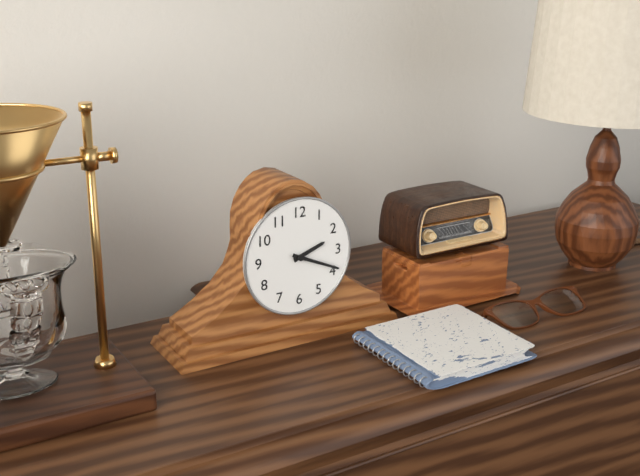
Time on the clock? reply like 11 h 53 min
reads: 2 h 19 min
